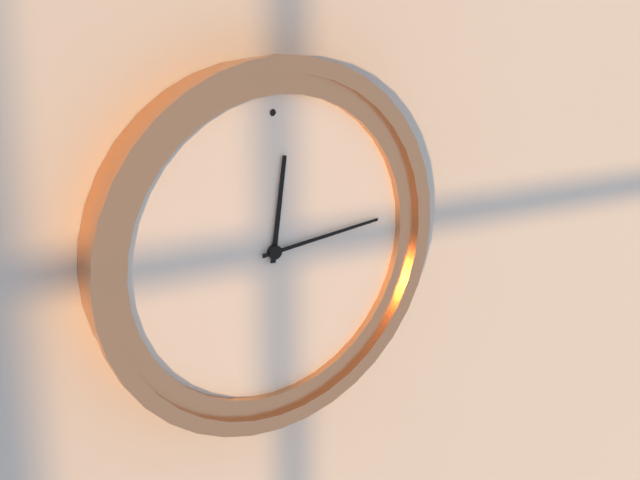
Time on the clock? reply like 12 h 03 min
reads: 12 h 14 min
